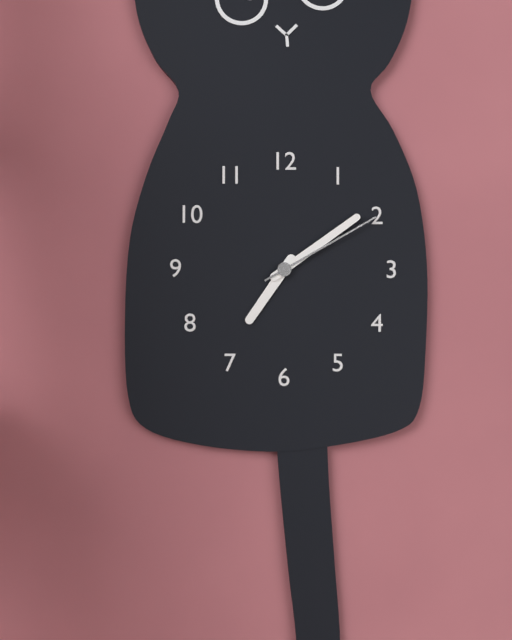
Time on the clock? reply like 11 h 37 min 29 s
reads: 7 h 09 min 10 s
